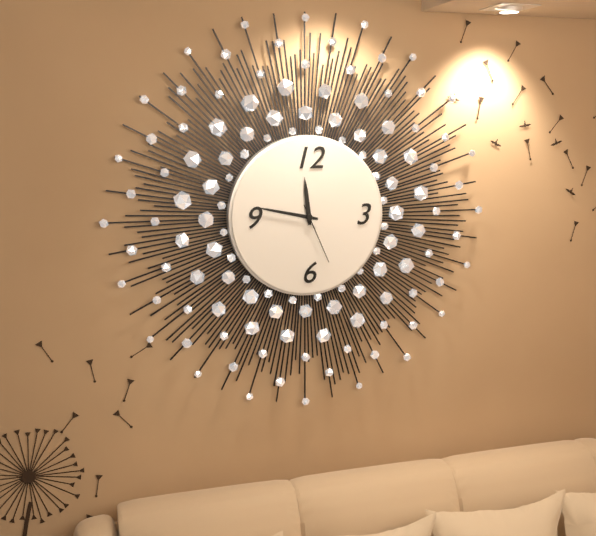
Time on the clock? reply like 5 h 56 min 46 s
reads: 11 h 47 min 26 s
